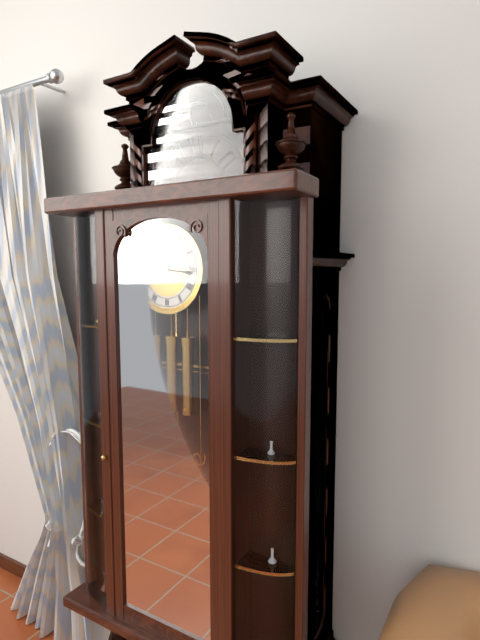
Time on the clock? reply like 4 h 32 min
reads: 9 h 16 min
